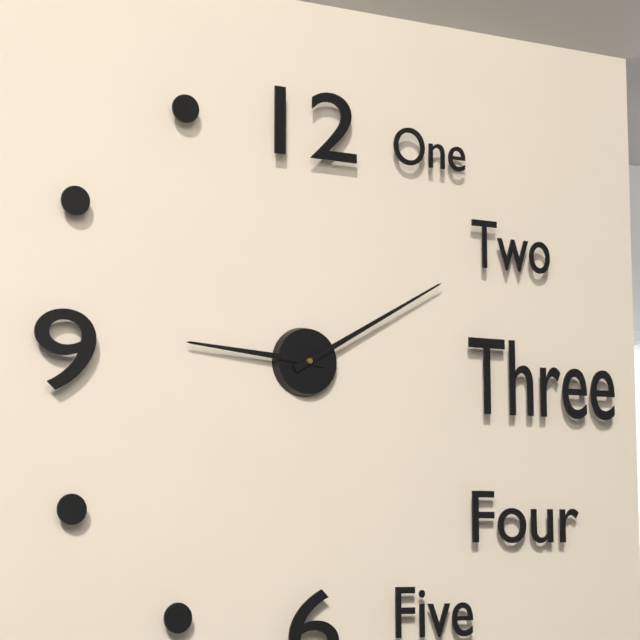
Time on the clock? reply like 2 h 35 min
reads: 9 h 10 min
